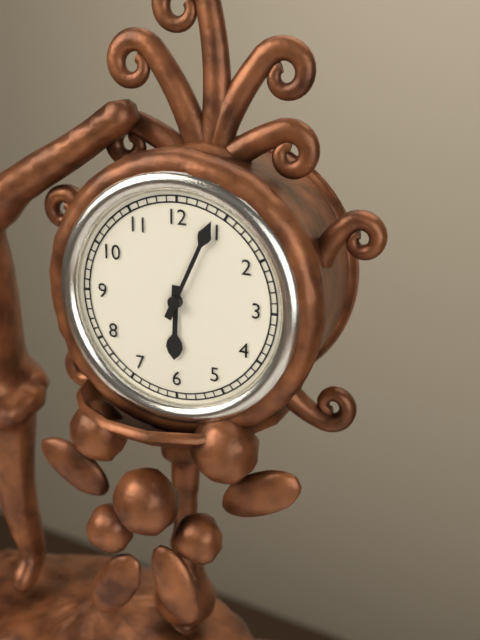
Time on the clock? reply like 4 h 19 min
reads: 6 h 04 min
